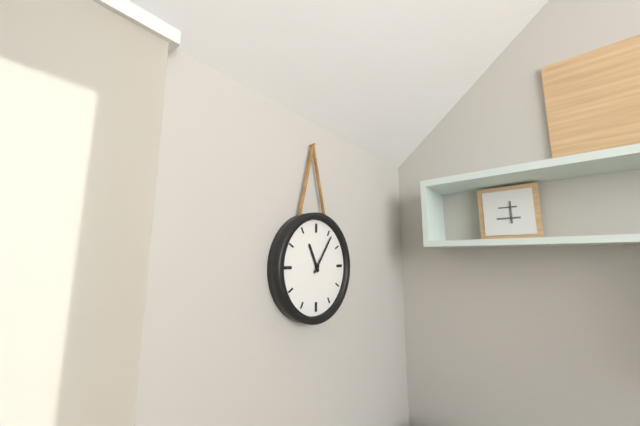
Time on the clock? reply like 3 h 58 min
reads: 11 h 06 min
